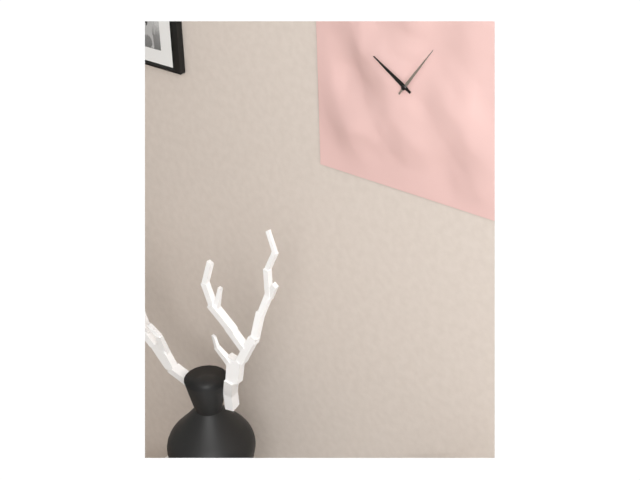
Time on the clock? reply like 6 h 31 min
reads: 10 h 06 min
